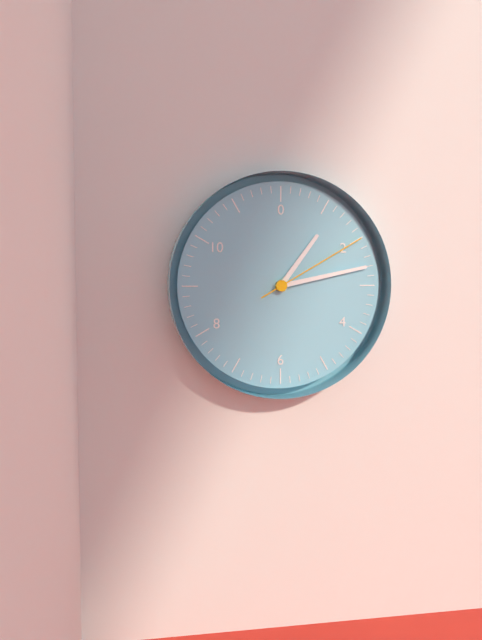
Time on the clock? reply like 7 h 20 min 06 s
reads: 1 h 13 min 10 s
